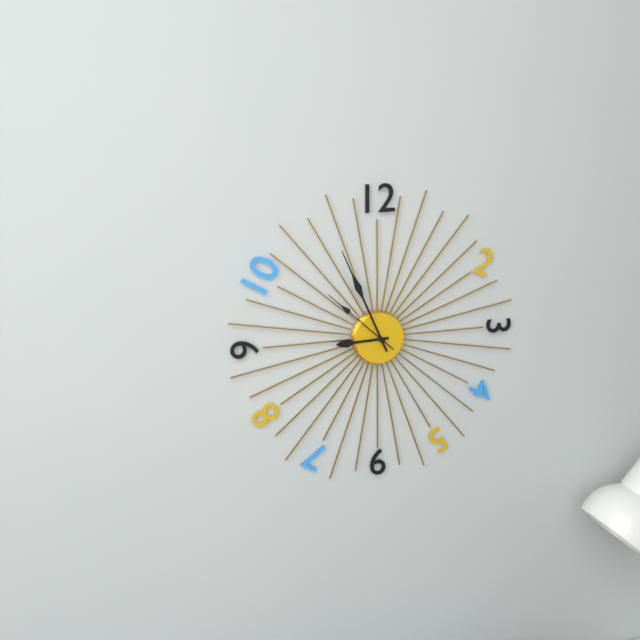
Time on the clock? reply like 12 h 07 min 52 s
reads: 8 h 56 min 52 s
